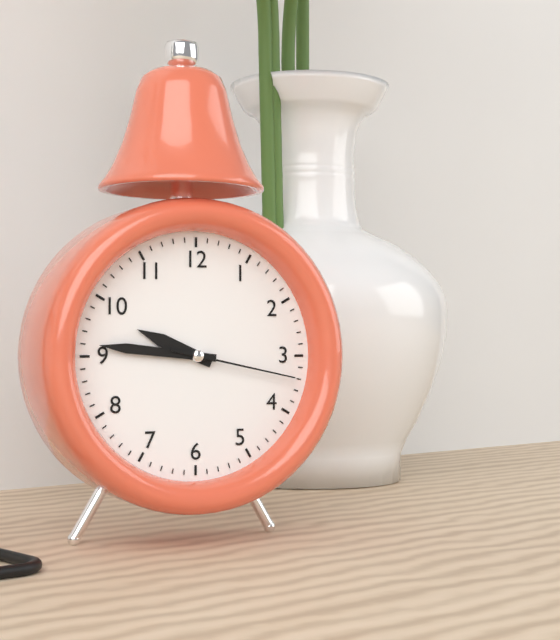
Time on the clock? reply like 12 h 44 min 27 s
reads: 9 h 46 min 17 s
